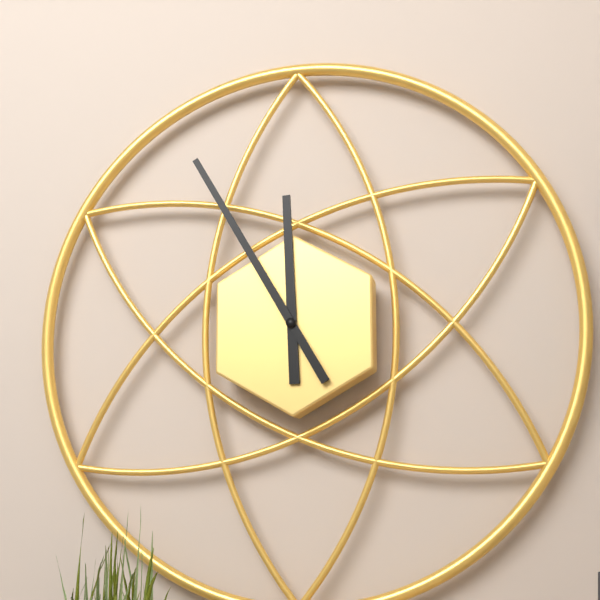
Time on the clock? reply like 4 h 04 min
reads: 11 h 55 min
